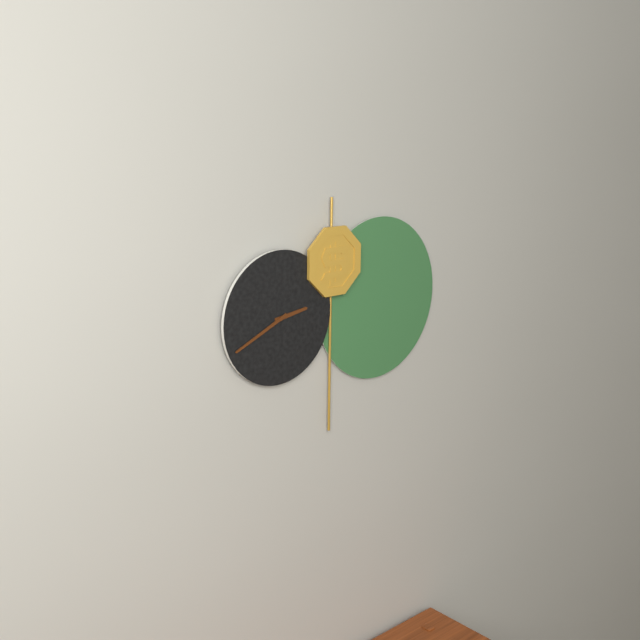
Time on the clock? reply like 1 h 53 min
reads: 2 h 41 min
